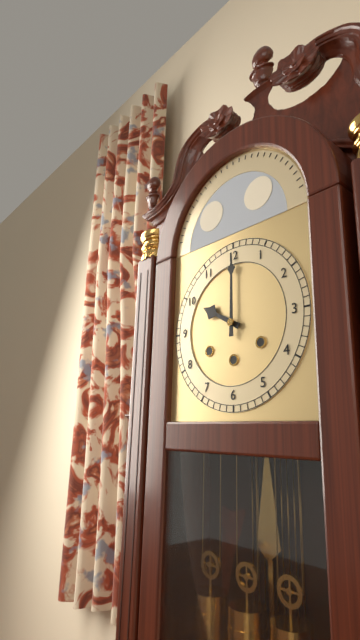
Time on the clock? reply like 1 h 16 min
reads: 10 h 00 min
